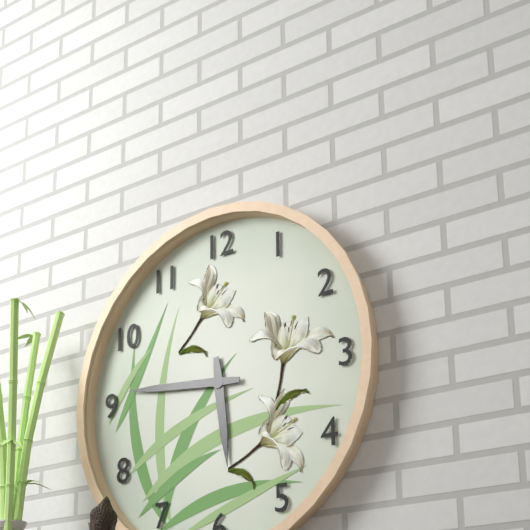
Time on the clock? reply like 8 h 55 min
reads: 5 h 46 min
